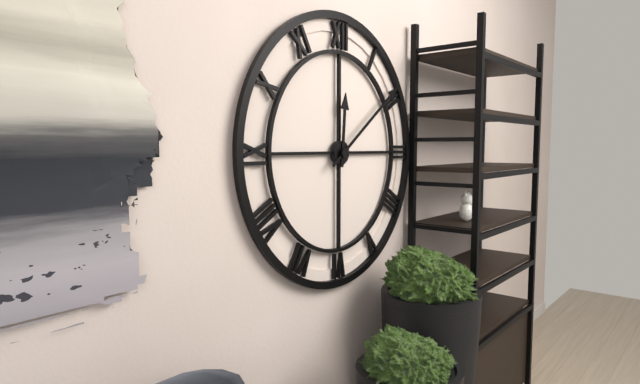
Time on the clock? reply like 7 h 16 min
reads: 12 h 09 min
